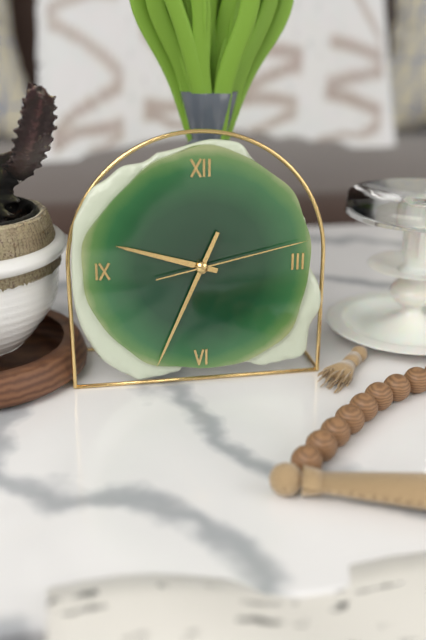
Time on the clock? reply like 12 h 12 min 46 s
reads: 9 h 34 min 13 s
